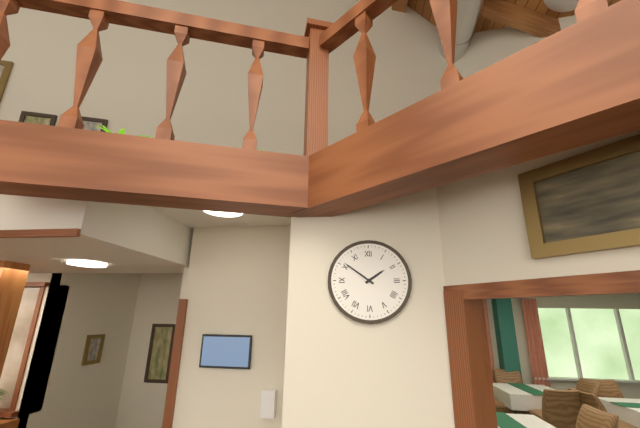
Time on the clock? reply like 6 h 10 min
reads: 1 h 51 min
